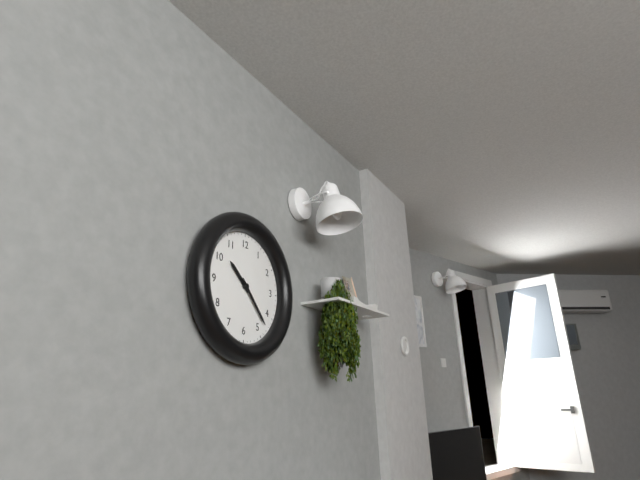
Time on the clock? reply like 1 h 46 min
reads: 10 h 23 min
